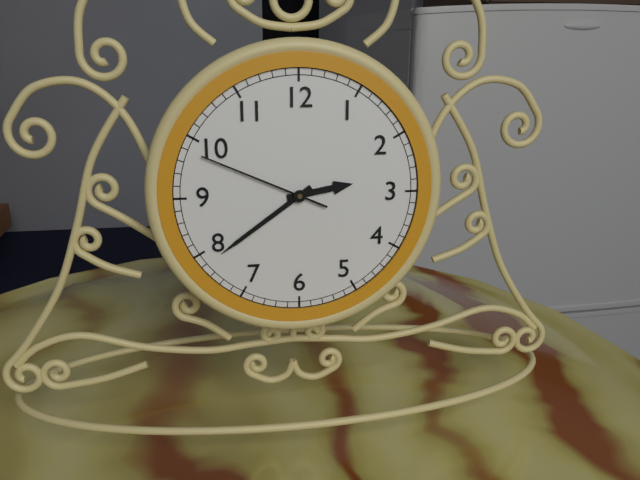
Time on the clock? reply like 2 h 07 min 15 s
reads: 2 h 39 min 49 s
